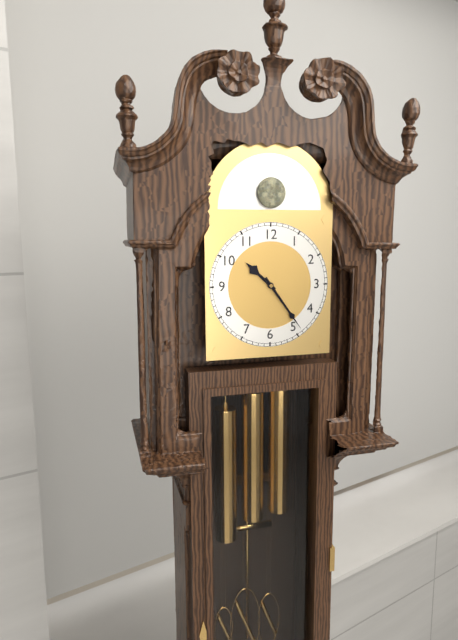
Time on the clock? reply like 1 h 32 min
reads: 10 h 24 min
